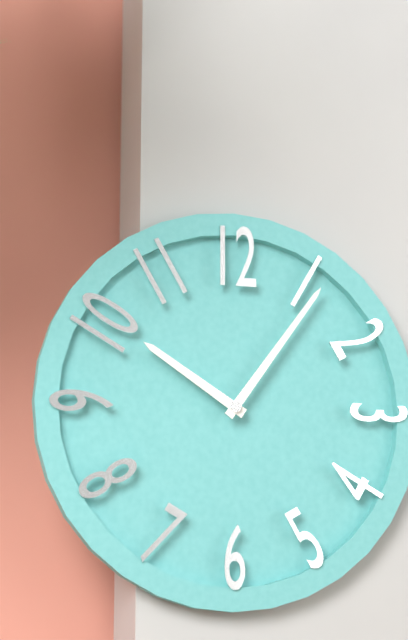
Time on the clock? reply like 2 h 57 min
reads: 10 h 06 min
